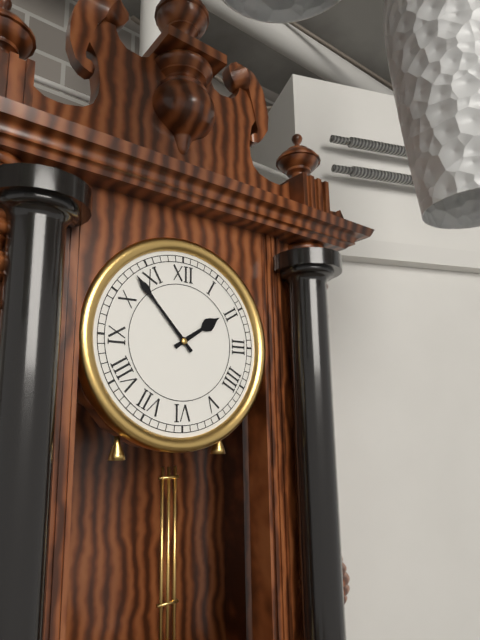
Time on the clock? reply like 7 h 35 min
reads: 1 h 53 min
